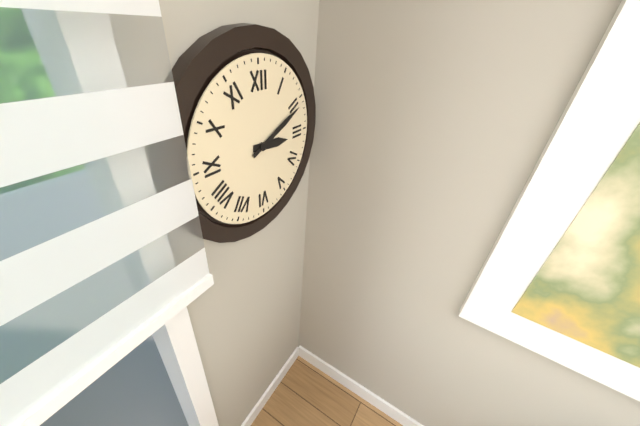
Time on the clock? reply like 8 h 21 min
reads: 3 h 11 min
